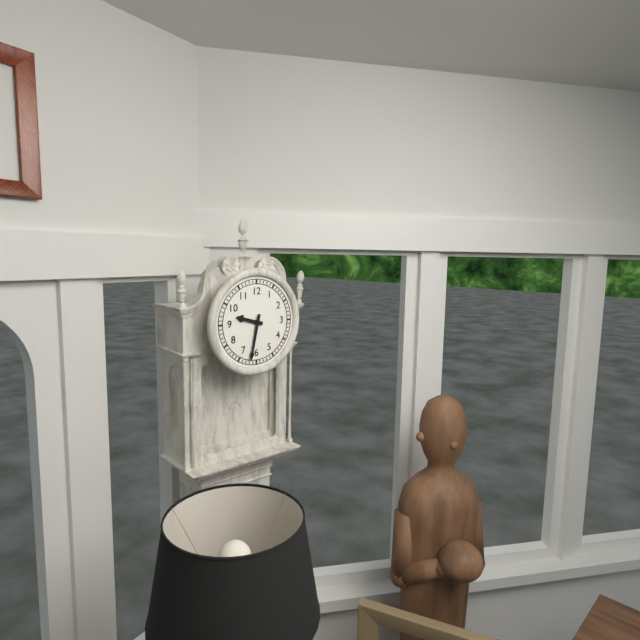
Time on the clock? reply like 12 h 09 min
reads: 9 h 32 min
